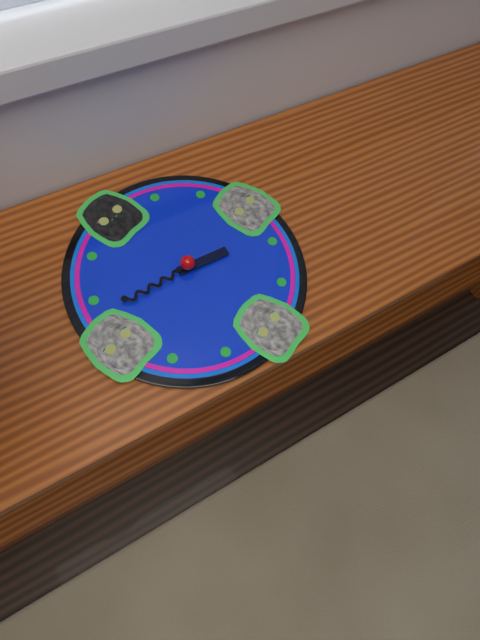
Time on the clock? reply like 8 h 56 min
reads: 3 h 48 min
